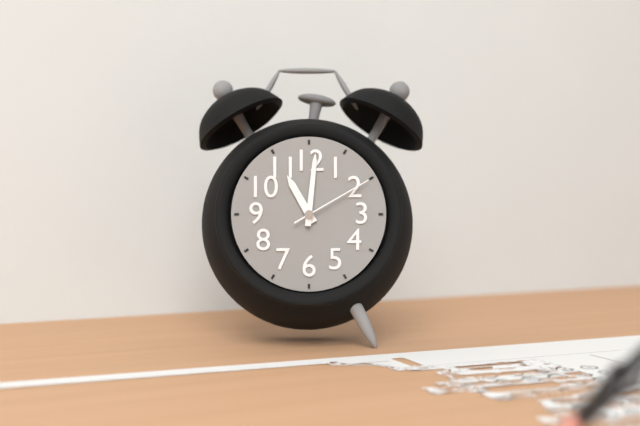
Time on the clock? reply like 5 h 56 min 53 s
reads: 11 h 01 min 10 s
